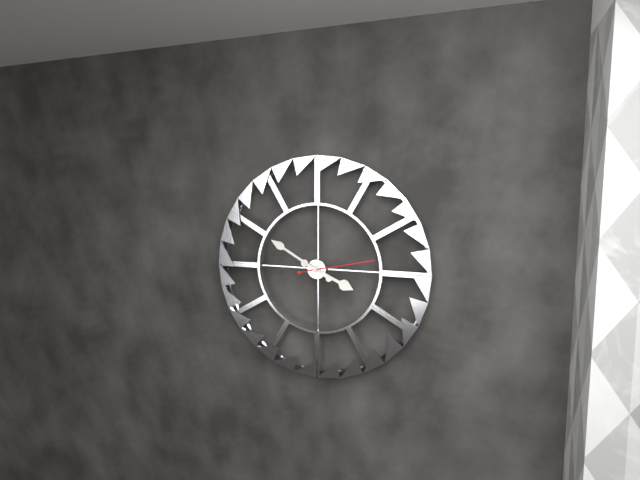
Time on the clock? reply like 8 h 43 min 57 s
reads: 3 h 50 min 13 s
